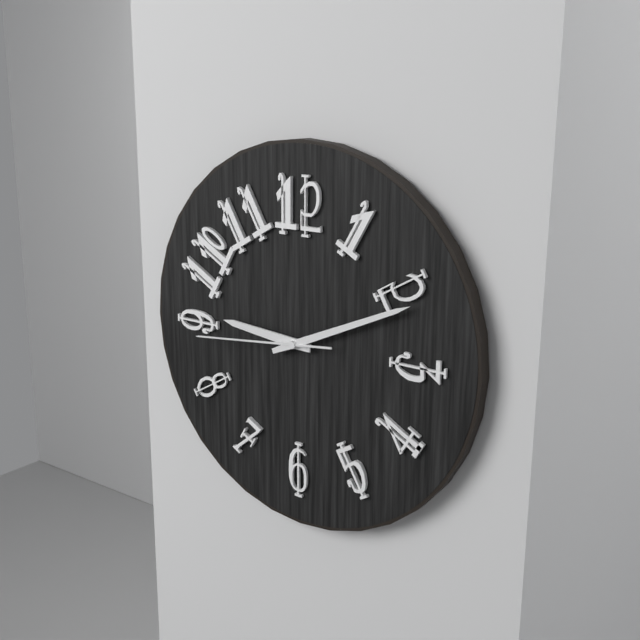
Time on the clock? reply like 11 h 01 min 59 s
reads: 9 h 11 min 44 s
